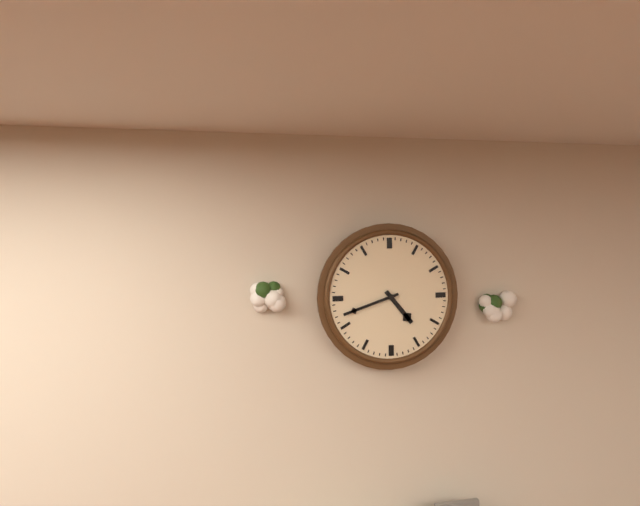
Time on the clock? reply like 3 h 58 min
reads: 4 h 42 min
